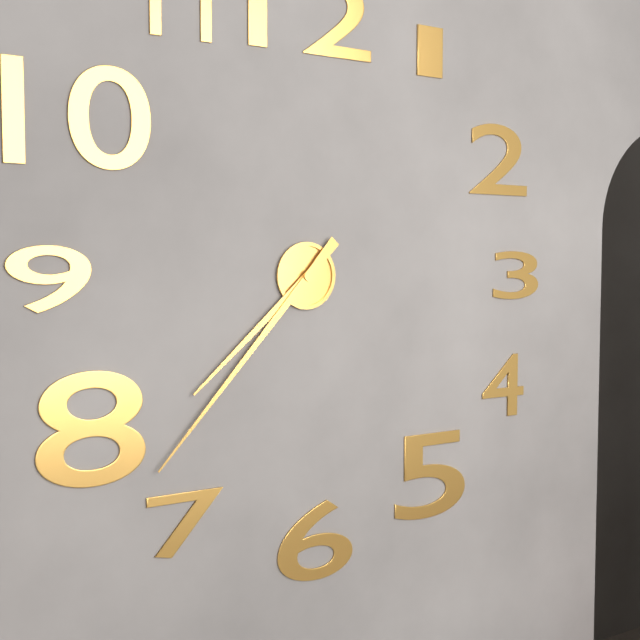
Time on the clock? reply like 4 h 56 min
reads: 7 h 37 min
